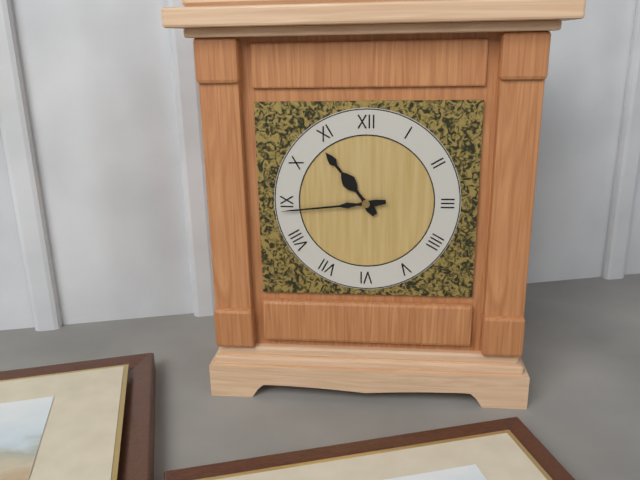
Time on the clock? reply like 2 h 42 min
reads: 10 h 44 min
